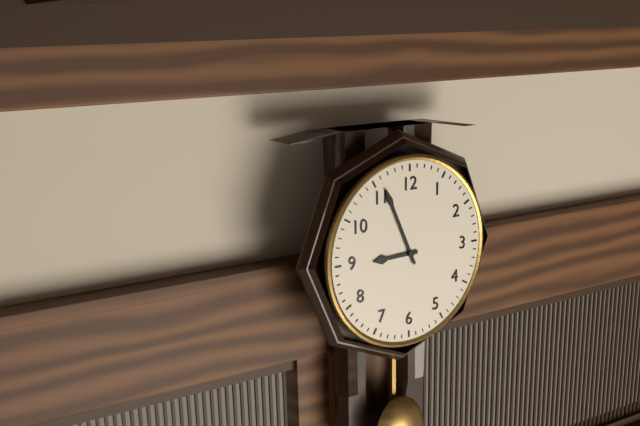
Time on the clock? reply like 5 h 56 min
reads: 8 h 56 min
